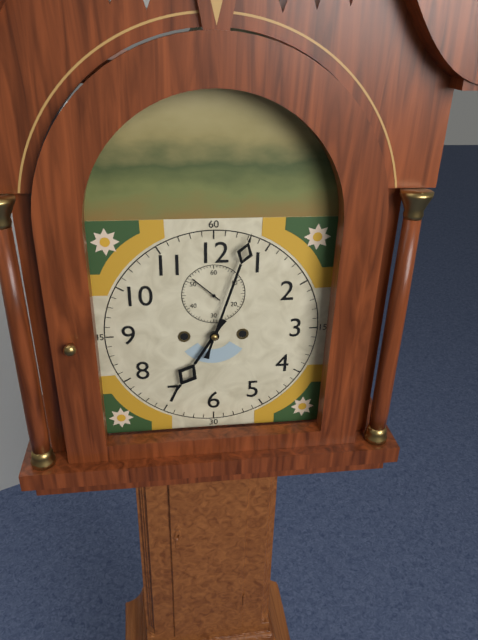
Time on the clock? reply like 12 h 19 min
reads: 7 h 03 min
